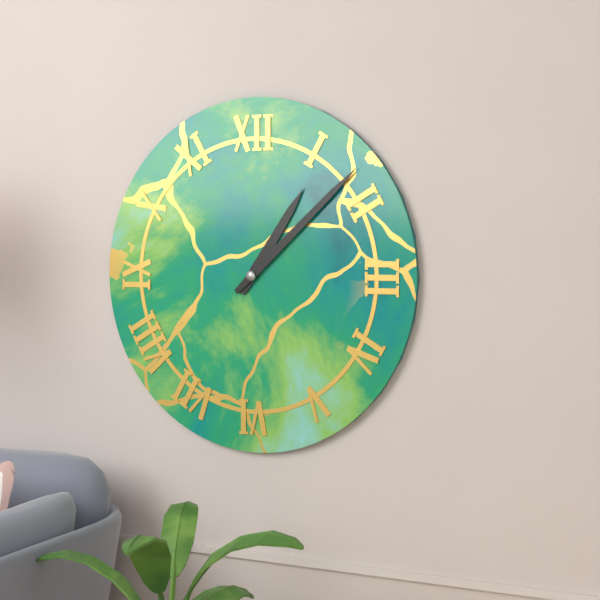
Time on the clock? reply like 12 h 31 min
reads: 1 h 08 min
